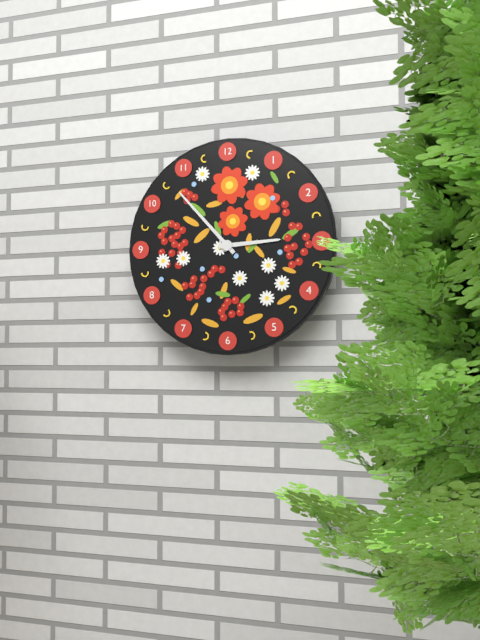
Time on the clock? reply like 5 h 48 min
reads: 2 h 53 min
